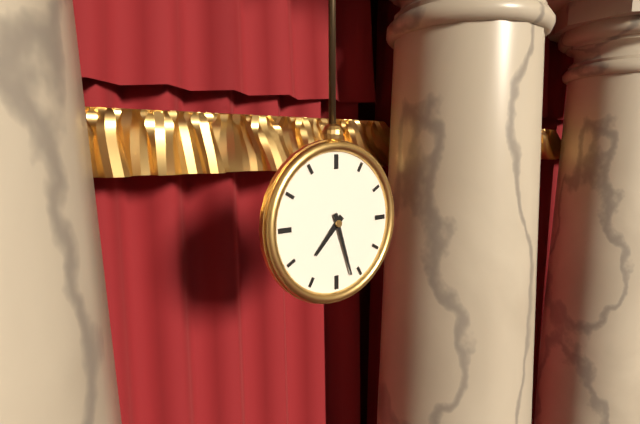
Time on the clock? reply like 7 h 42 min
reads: 7 h 27 min
